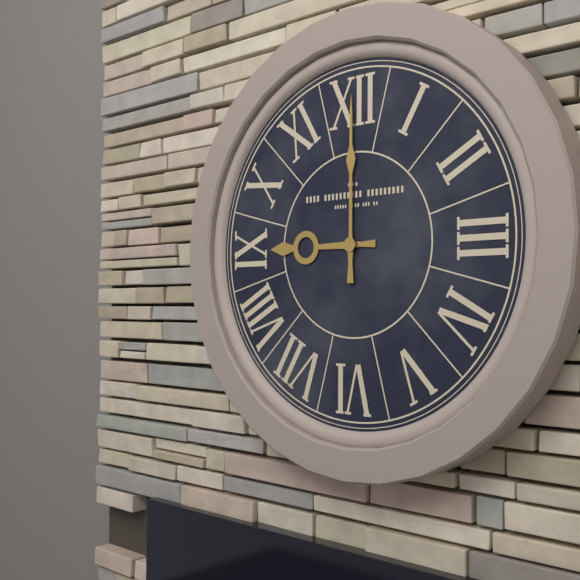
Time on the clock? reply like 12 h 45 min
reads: 9 h 00 min
